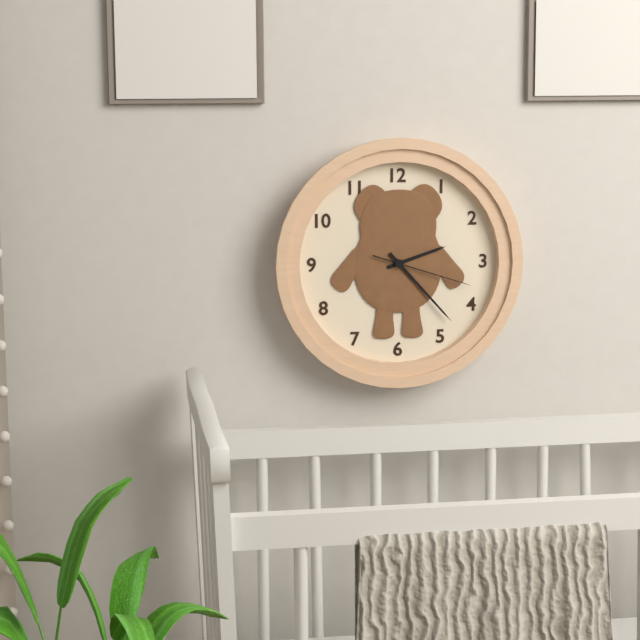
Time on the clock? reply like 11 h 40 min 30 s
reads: 2 h 23 min 18 s
